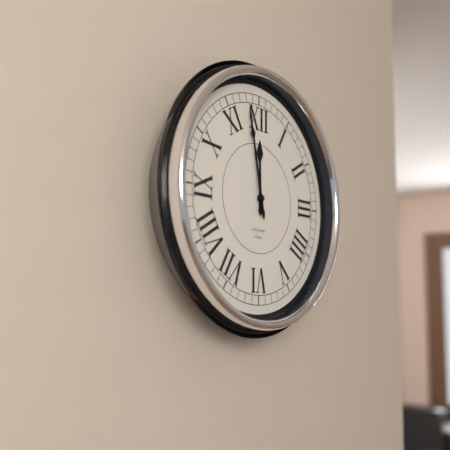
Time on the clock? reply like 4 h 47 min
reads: 11 h 58 min
